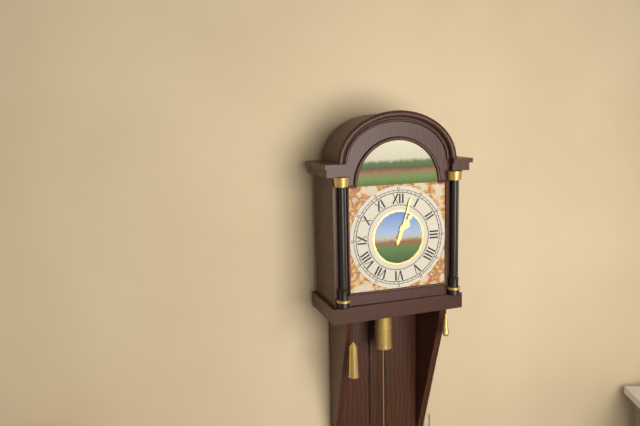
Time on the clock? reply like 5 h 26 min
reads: 1 h 03 min
